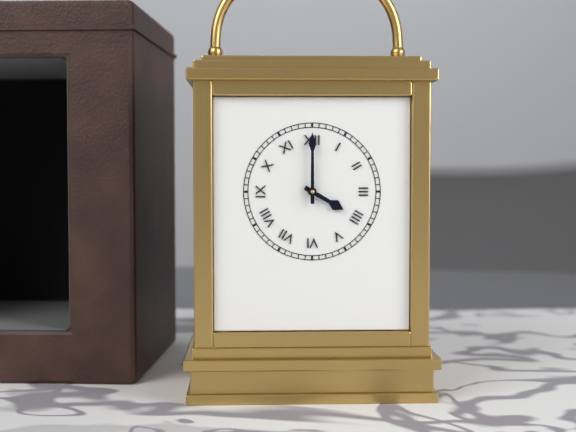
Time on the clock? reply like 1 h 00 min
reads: 4 h 00 min
